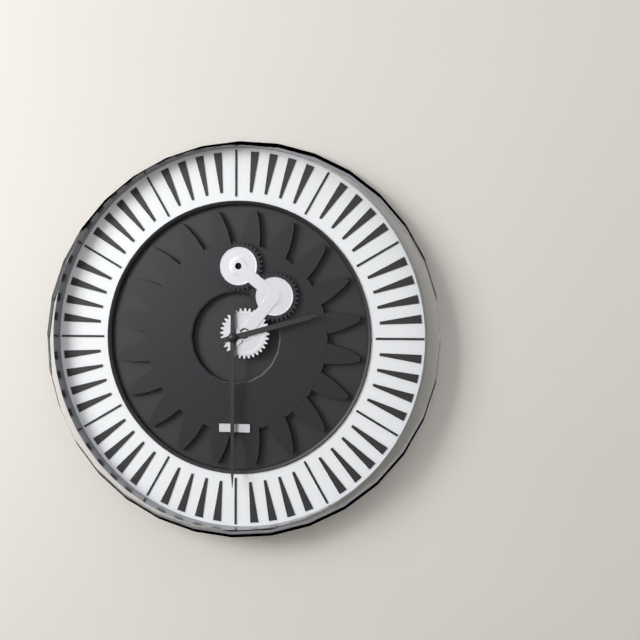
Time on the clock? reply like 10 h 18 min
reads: 2 h 30 min
